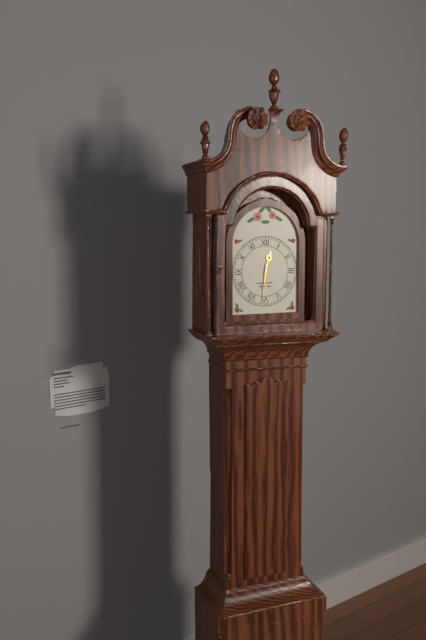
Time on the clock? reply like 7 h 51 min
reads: 12 h 31 min
